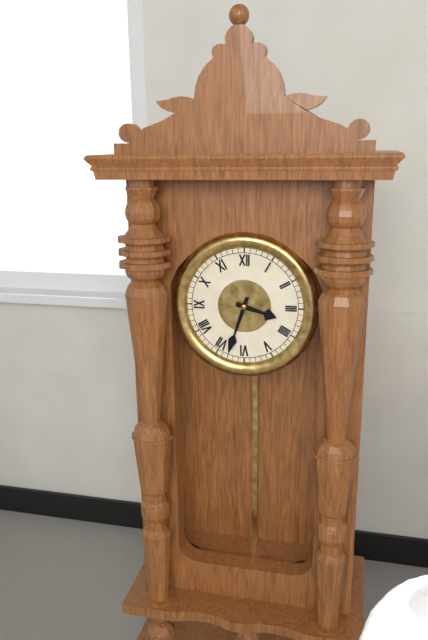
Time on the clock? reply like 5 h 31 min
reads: 3 h 33 min
